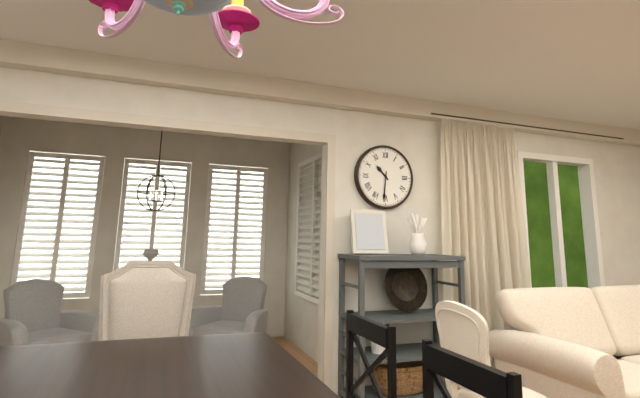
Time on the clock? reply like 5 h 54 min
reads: 10 h 31 min
